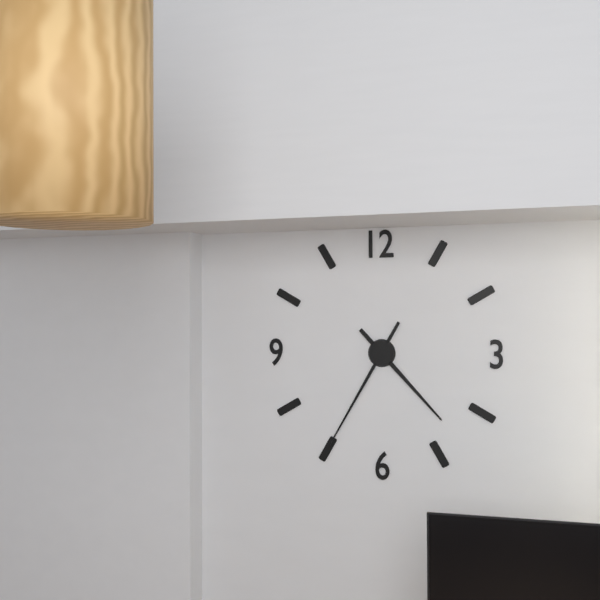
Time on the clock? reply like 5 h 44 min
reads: 4 h 35 min
